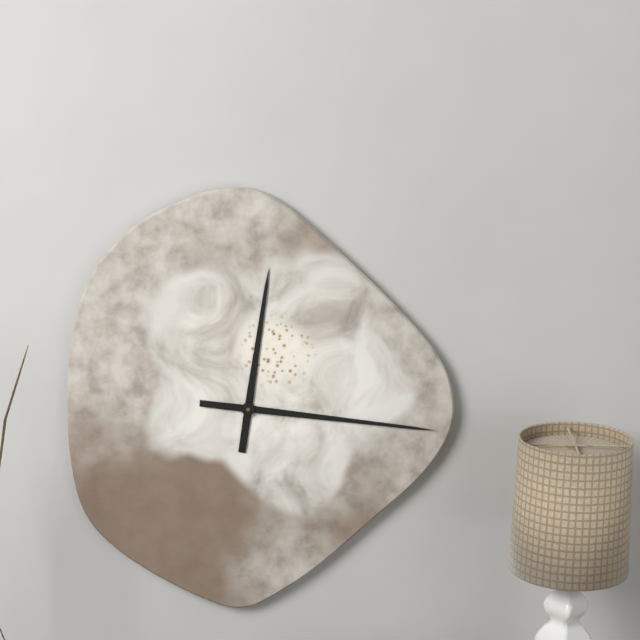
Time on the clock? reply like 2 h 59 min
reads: 12 h 16 min
